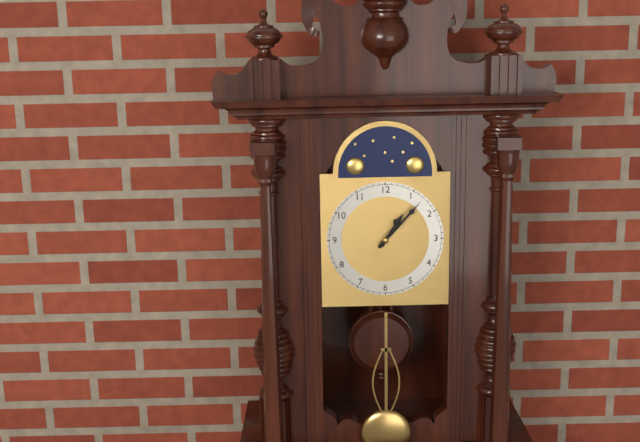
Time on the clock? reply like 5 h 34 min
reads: 1 h 07 min
